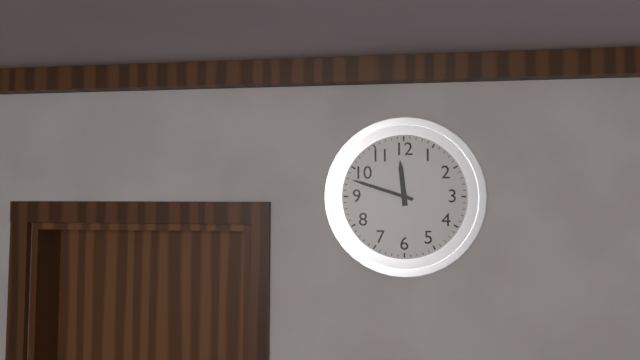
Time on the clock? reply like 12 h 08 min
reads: 11 h 48 min
